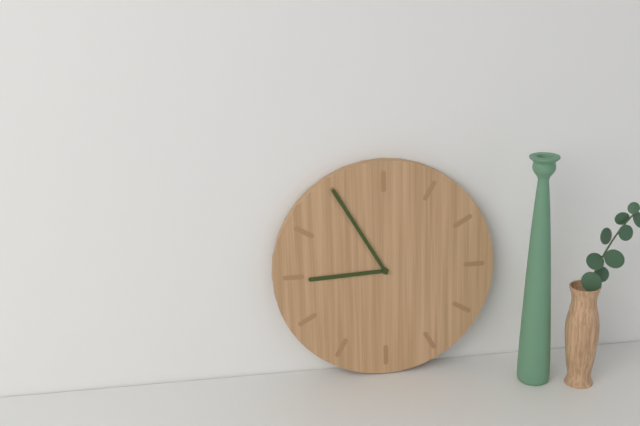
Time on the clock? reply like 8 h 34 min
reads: 8 h 55 min
